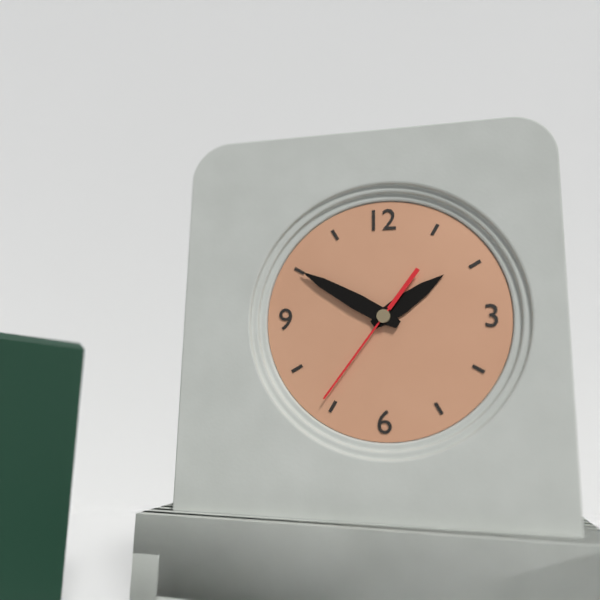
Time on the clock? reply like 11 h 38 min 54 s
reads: 1 h 50 min 36 s
